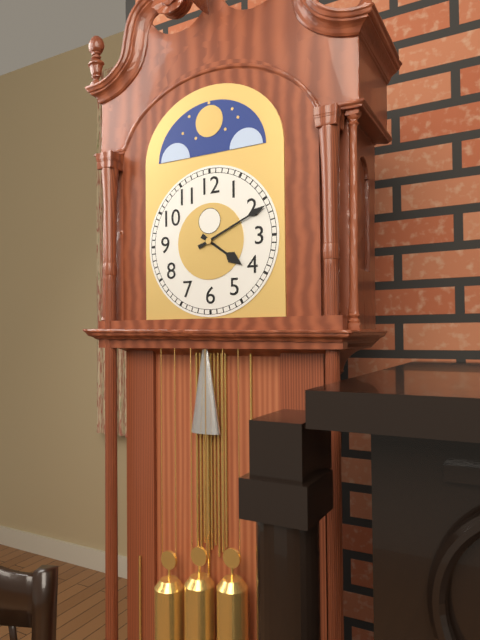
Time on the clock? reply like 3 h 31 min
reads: 4 h 11 min
